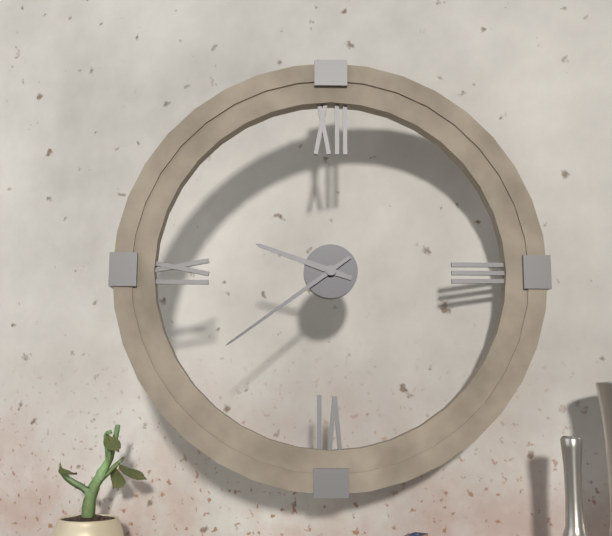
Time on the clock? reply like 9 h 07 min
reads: 9 h 39 min
